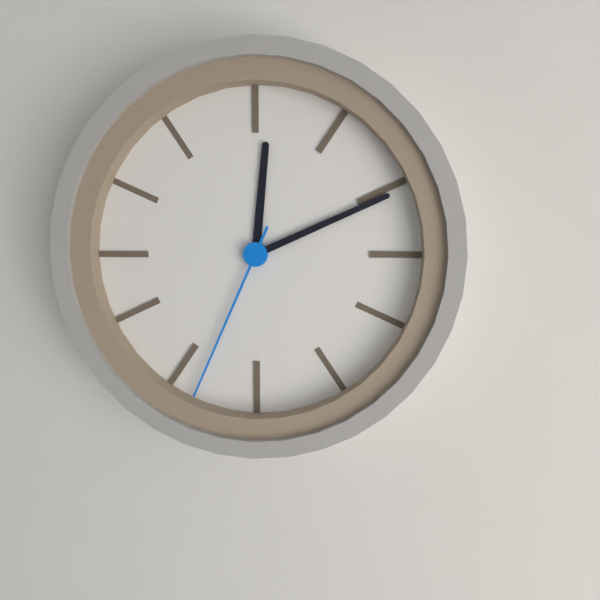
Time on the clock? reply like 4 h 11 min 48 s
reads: 12 h 11 min 34 s
